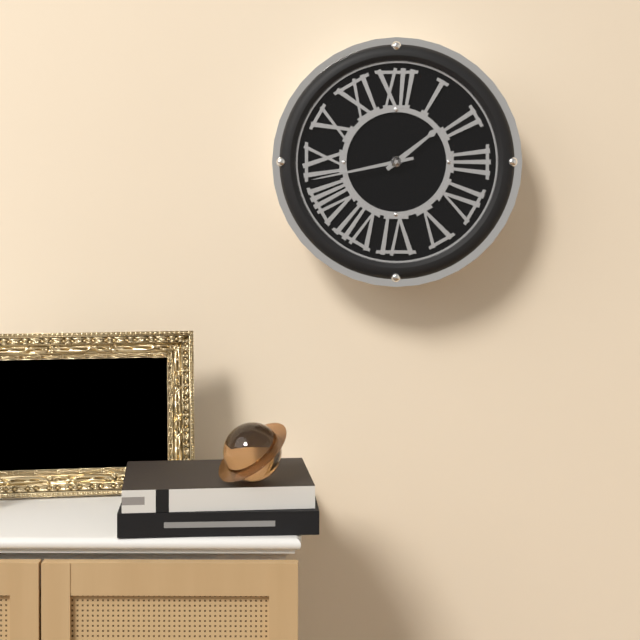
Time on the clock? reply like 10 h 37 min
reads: 1 h 43 min
